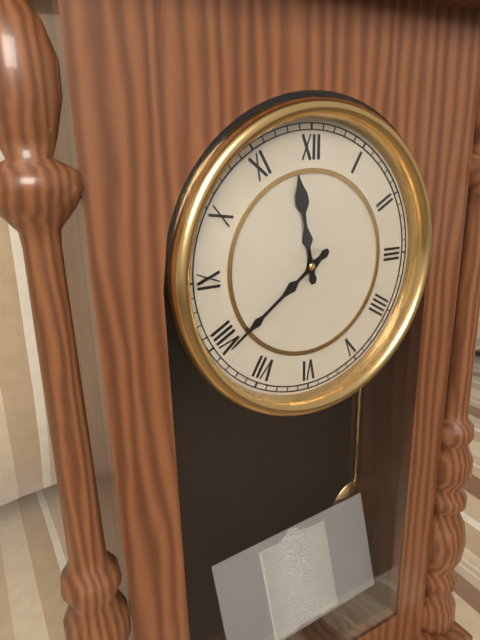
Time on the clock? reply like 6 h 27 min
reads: 11 h 39 min
